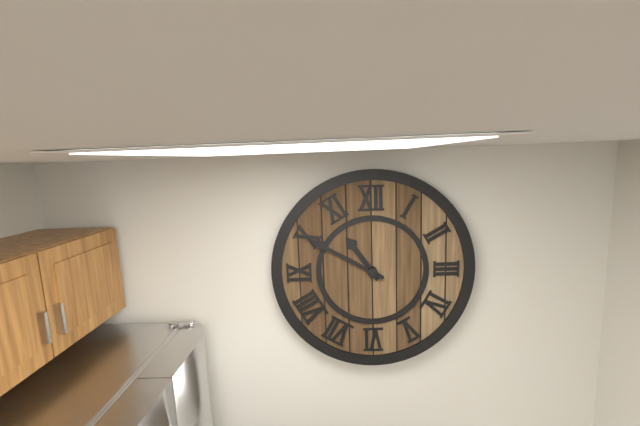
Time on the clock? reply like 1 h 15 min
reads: 10 h 50 min
